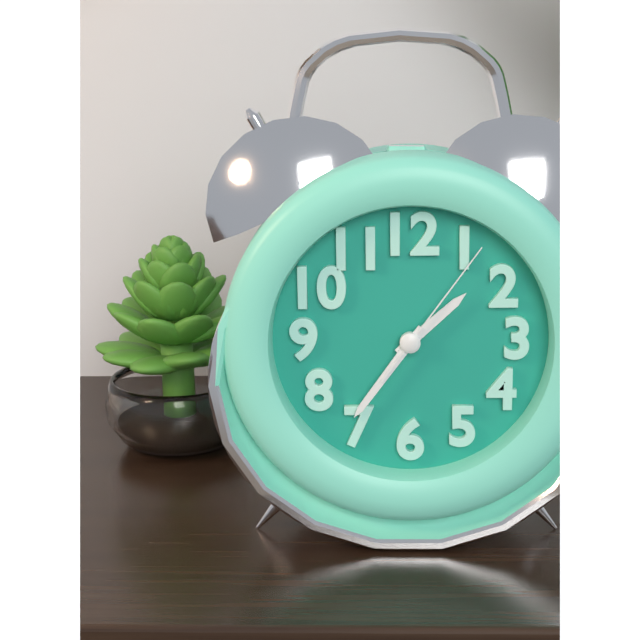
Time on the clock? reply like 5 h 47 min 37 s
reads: 1 h 36 min 06 s
